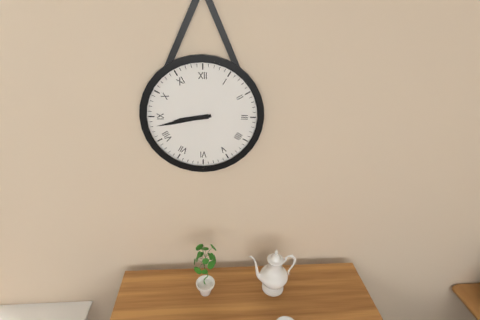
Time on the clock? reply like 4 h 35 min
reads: 8 h 43 min
